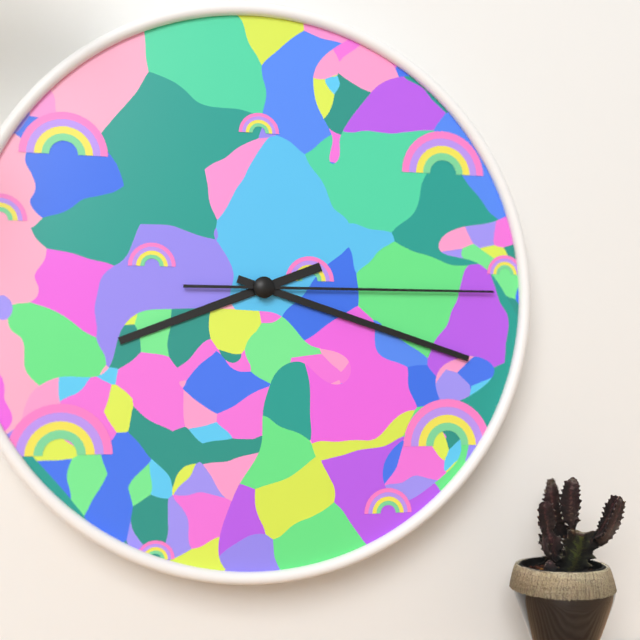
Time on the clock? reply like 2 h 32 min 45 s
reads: 8 h 18 min 15 s
